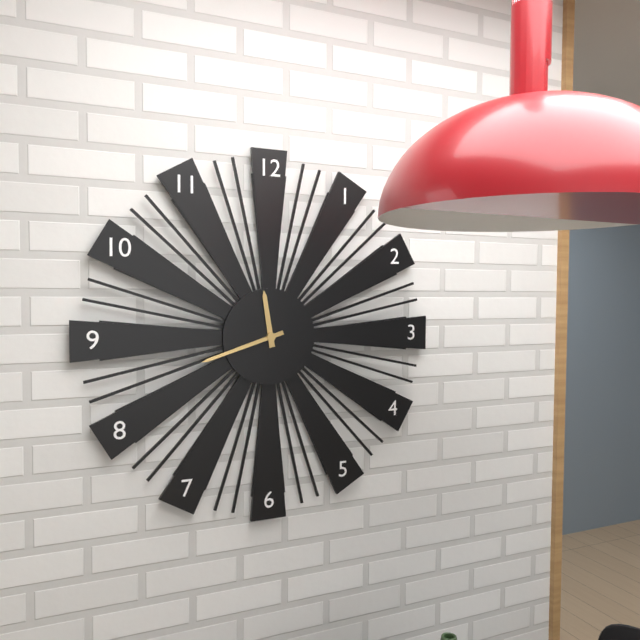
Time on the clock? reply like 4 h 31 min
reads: 11 h 42 min
